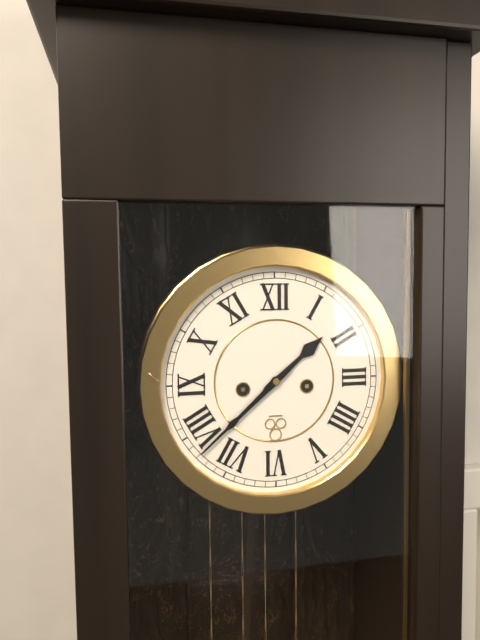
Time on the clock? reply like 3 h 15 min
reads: 1 h 38 min
